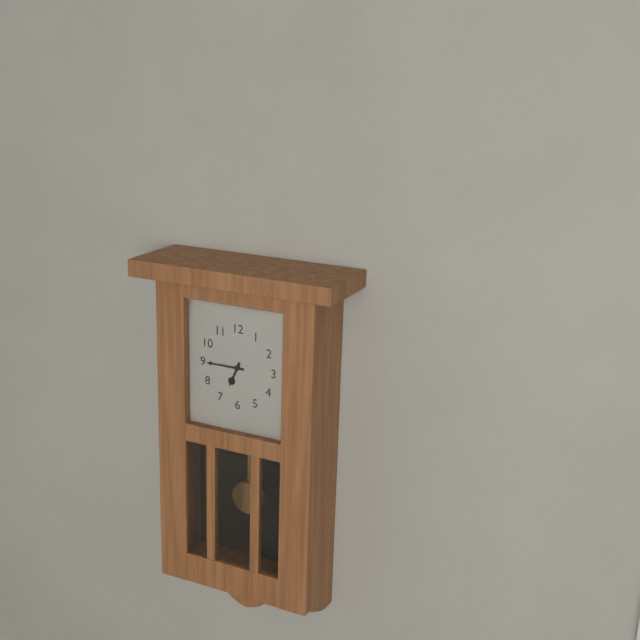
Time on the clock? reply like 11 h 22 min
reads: 6 h 45 min
